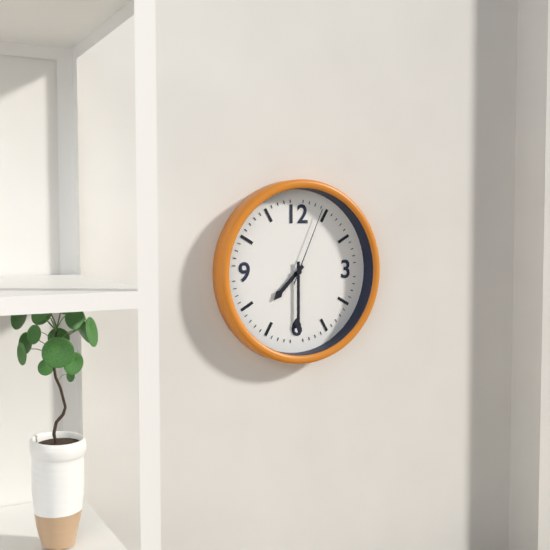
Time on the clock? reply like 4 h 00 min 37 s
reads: 7 h 30 min 04 s
